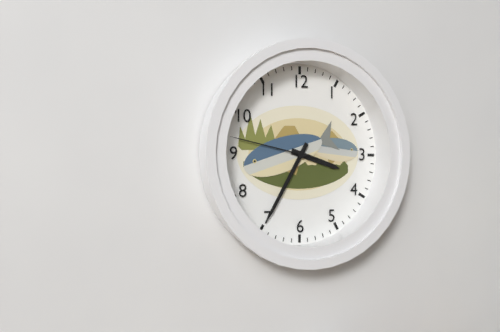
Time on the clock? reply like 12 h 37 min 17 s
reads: 3 h 35 min 47 s
